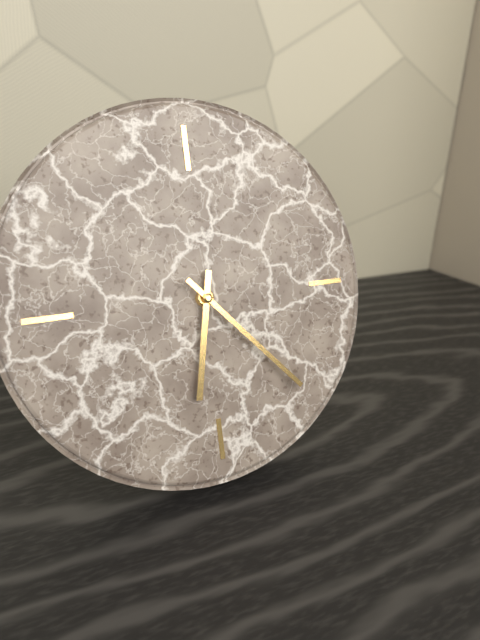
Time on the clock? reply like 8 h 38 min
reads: 6 h 23 min
